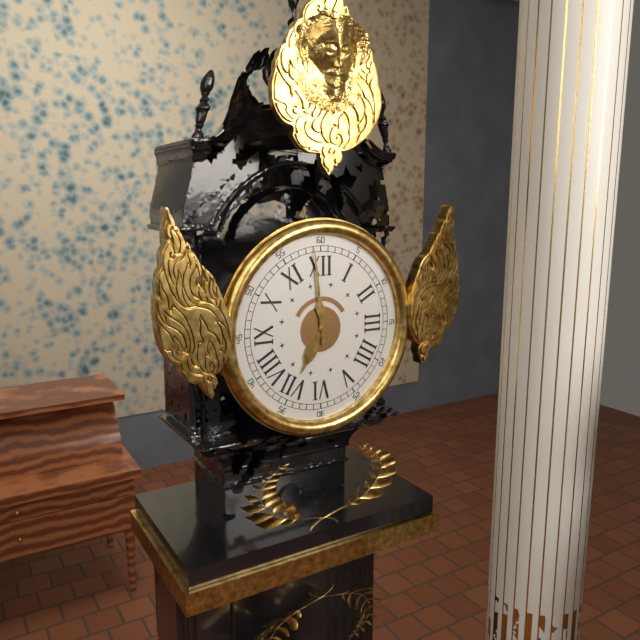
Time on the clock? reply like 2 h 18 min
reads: 6 h 59 min
